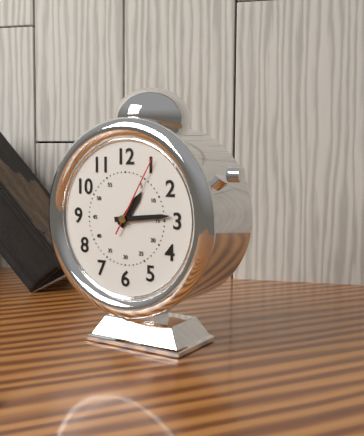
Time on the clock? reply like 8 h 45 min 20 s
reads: 1 h 14 min 05 s
